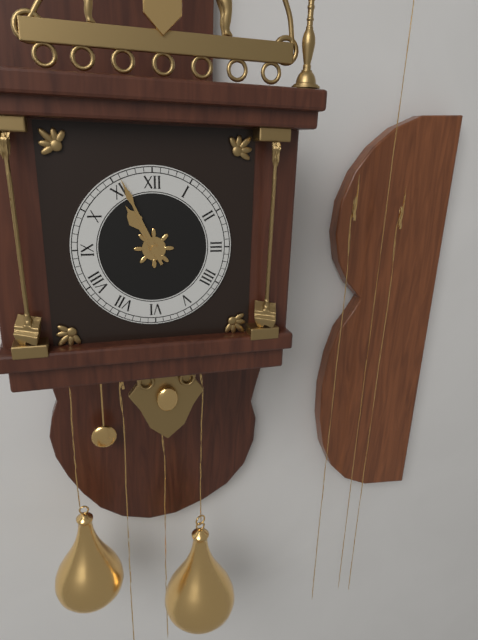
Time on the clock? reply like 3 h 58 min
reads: 10 h 56 min
